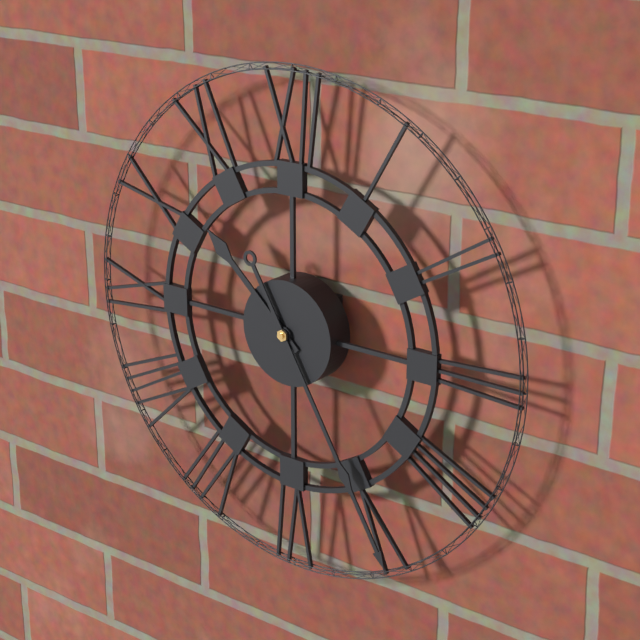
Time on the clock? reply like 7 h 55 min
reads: 10 h 25 min
